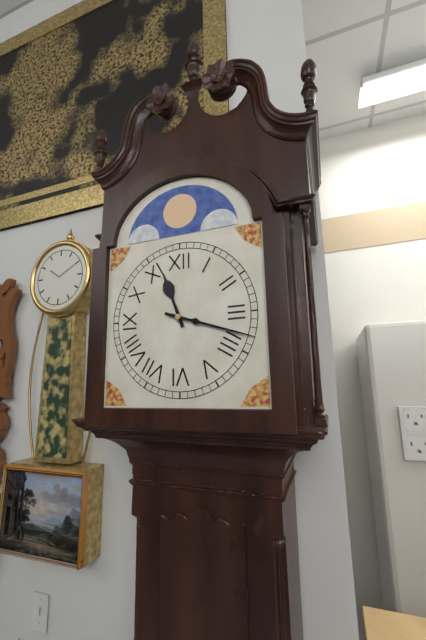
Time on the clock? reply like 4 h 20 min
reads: 11 h 18 min
